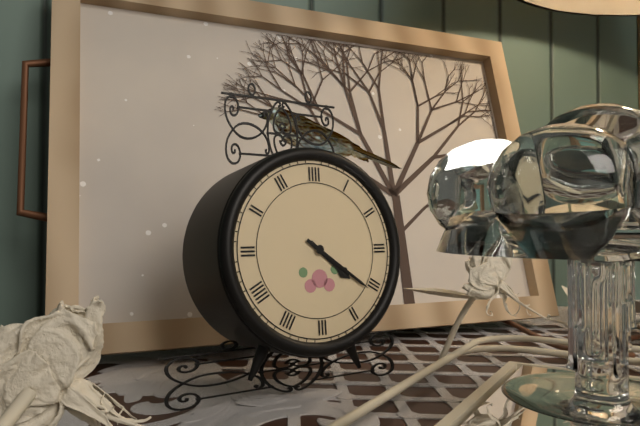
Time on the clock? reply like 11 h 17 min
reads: 4 h 21 min
